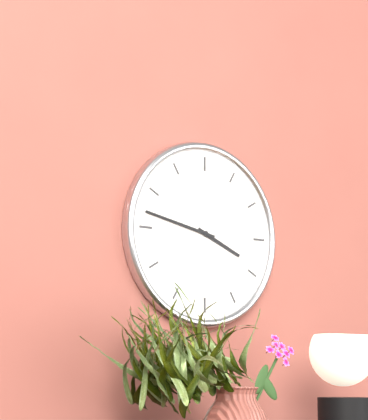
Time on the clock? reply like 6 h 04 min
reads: 3 h 47 min
